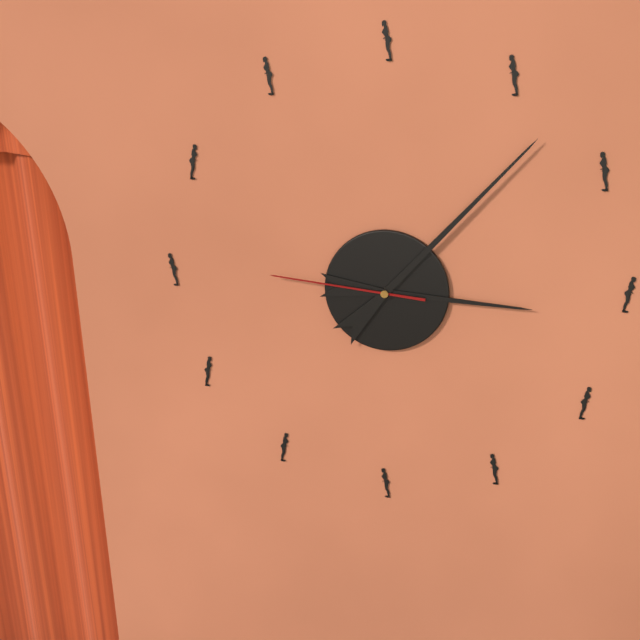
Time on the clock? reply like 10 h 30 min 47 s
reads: 3 h 07 min 46 s
